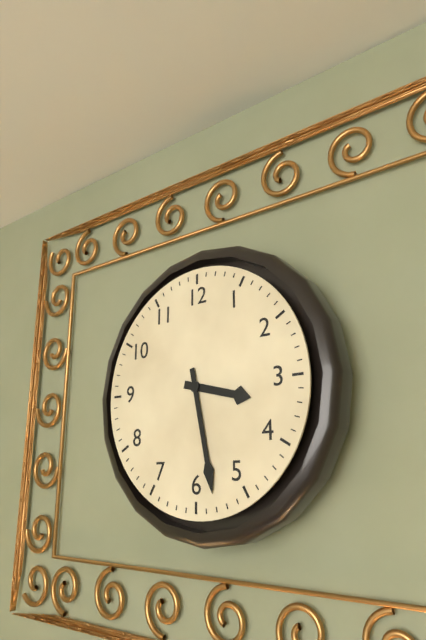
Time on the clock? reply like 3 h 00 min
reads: 3 h 28 min
